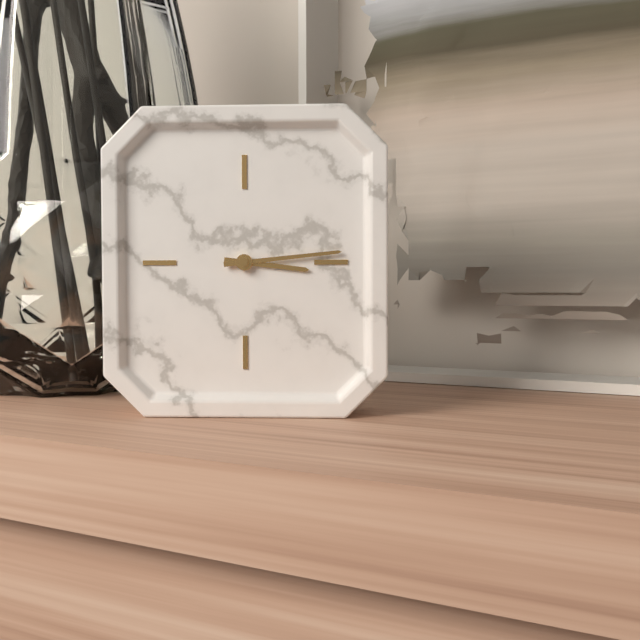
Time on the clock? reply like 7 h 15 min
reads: 3 h 14 min
